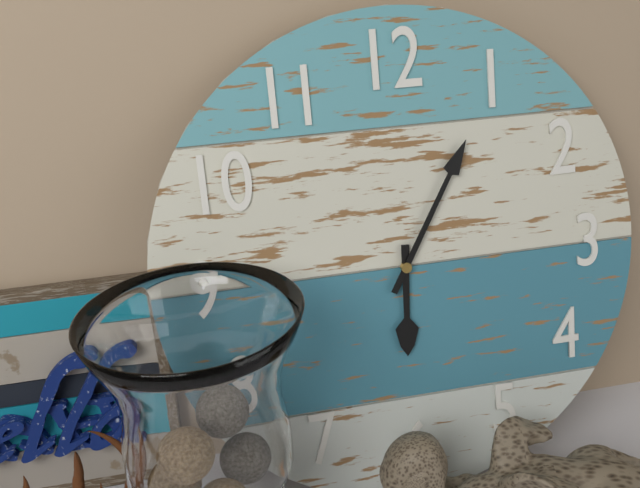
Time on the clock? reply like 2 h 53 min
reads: 6 h 05 min
